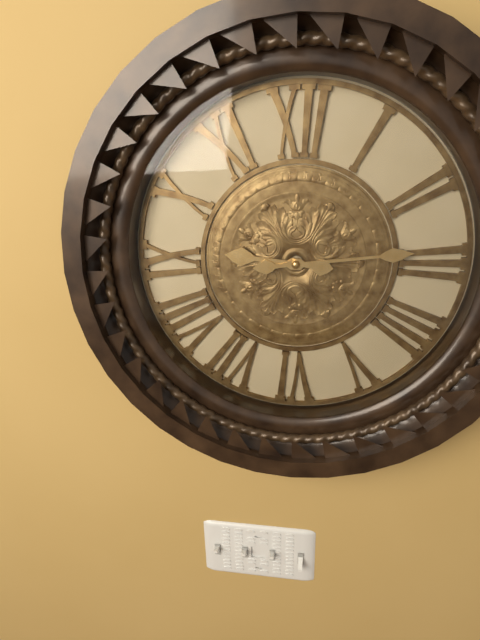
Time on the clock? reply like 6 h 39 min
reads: 9 h 14 min
